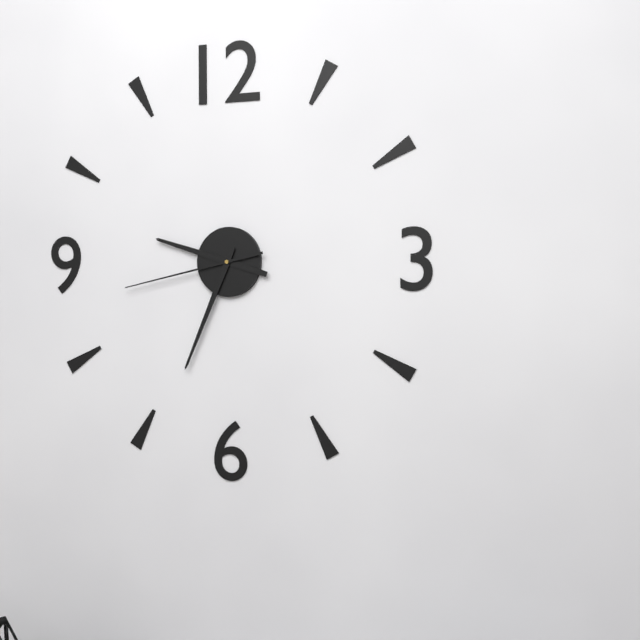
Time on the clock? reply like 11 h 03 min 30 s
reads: 9 h 34 min 43 s
